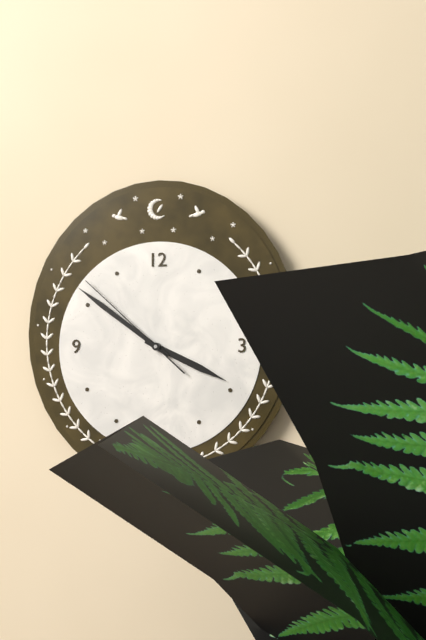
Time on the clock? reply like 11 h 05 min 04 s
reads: 3 h 51 min 52 s
